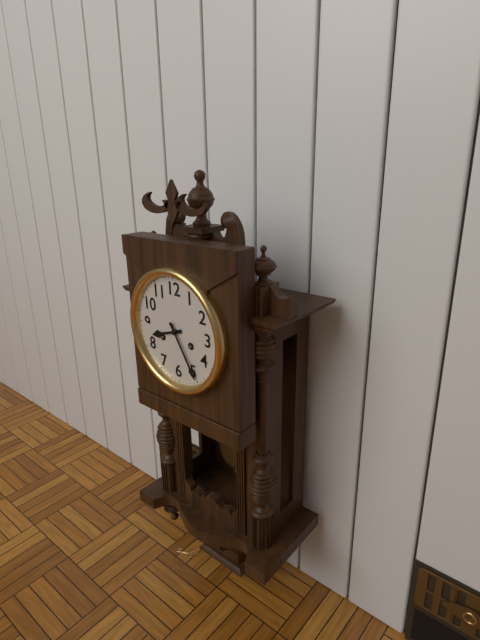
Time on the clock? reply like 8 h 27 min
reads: 8 h 25 min
